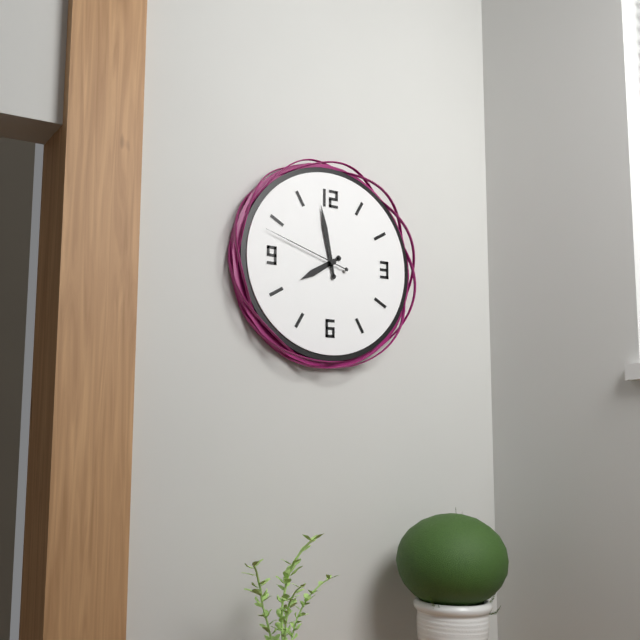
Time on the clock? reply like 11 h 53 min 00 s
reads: 7 h 58 min 48 s
